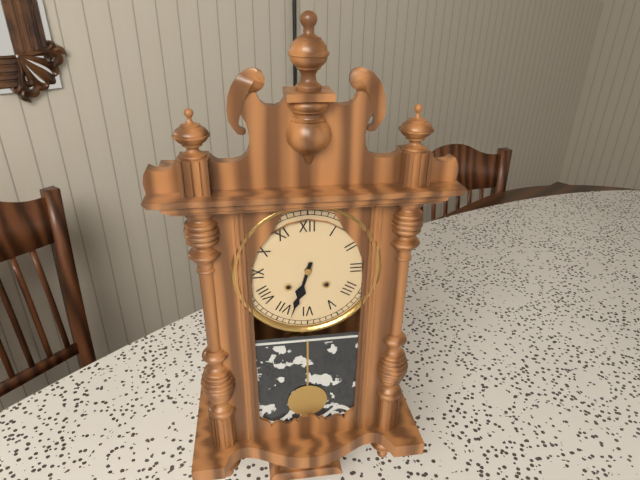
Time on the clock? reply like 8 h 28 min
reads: 6 h 33 min
